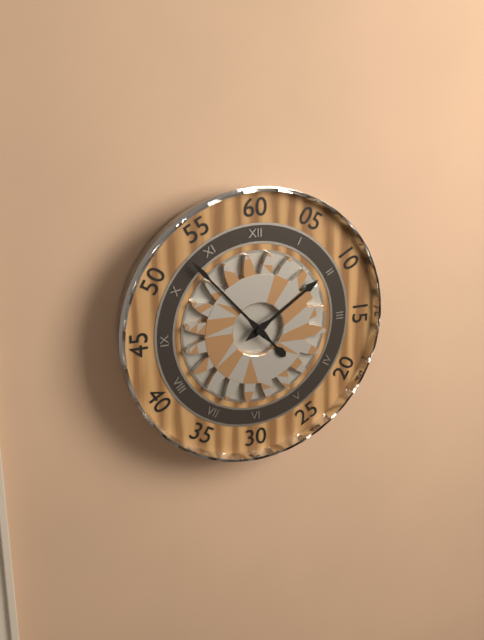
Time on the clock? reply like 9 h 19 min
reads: 1 h 53 min
